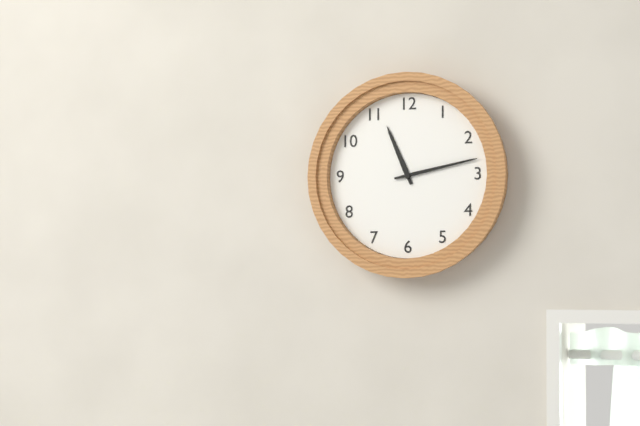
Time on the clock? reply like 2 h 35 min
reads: 11 h 13 min
